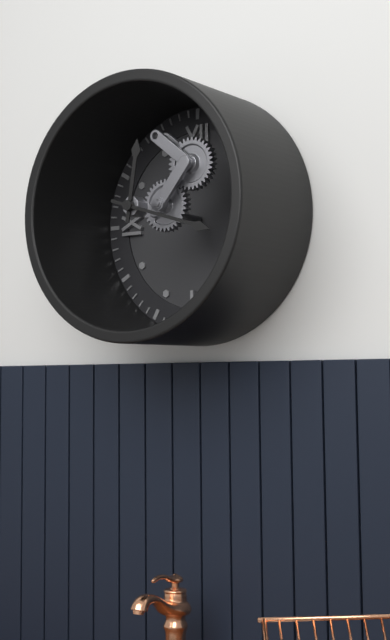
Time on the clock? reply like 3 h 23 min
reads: 12 h 18 min
